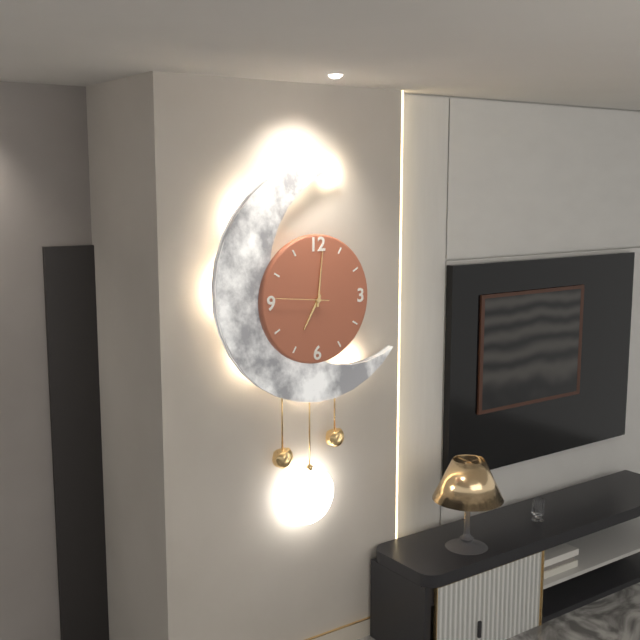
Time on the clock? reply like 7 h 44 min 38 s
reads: 7 h 01 min 46 s
